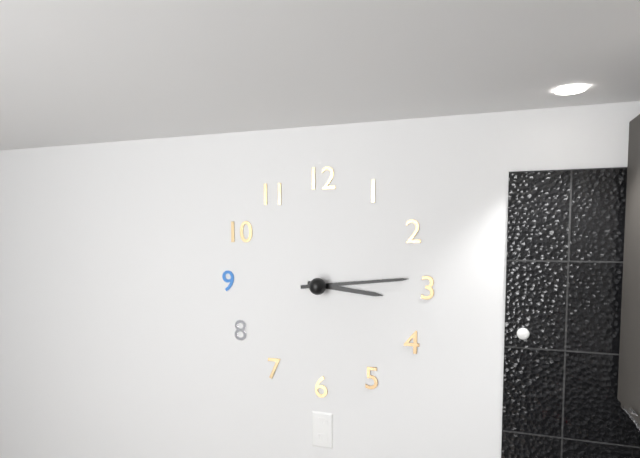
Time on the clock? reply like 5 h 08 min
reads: 3 h 14 min
